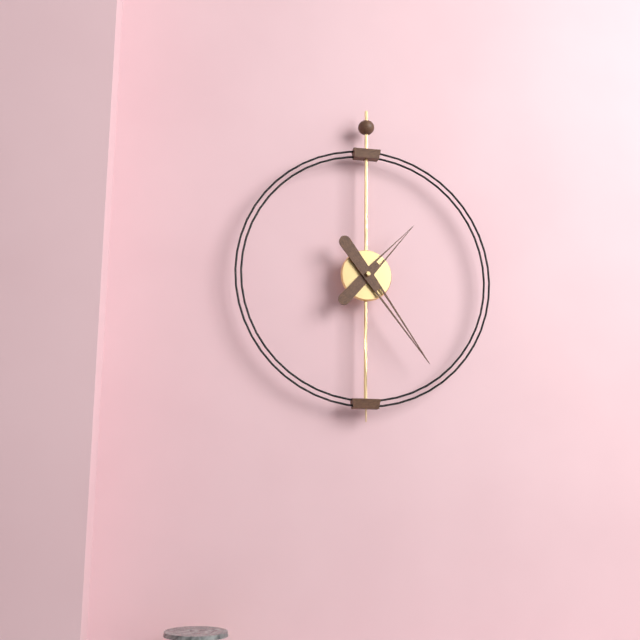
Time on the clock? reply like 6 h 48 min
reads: 1 h 24 min
